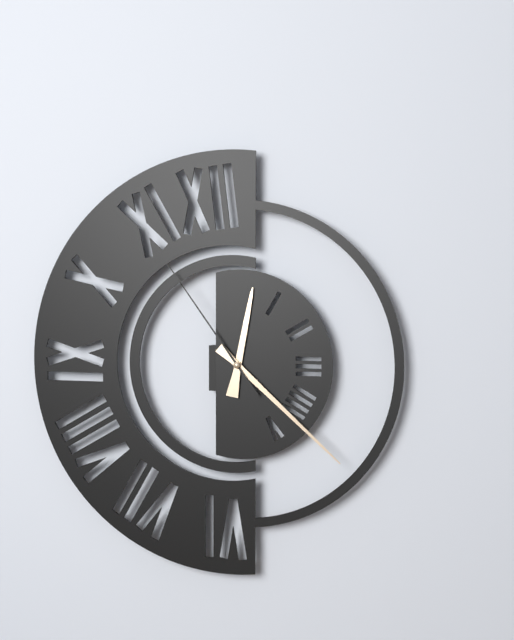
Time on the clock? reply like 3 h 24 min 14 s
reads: 12 h 22 min 54 s
